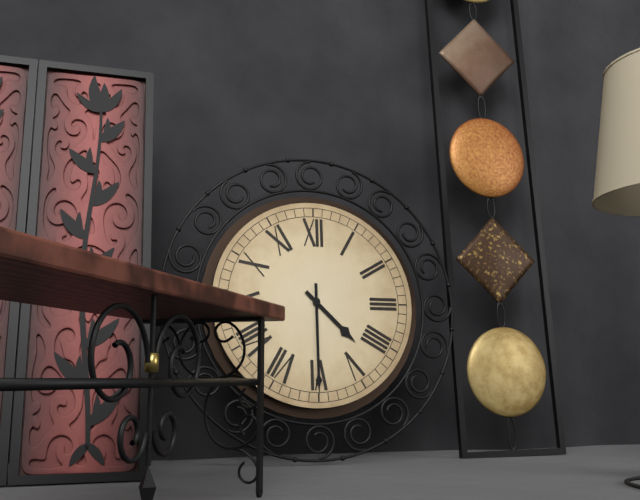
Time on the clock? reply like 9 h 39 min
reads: 4 h 30 min
